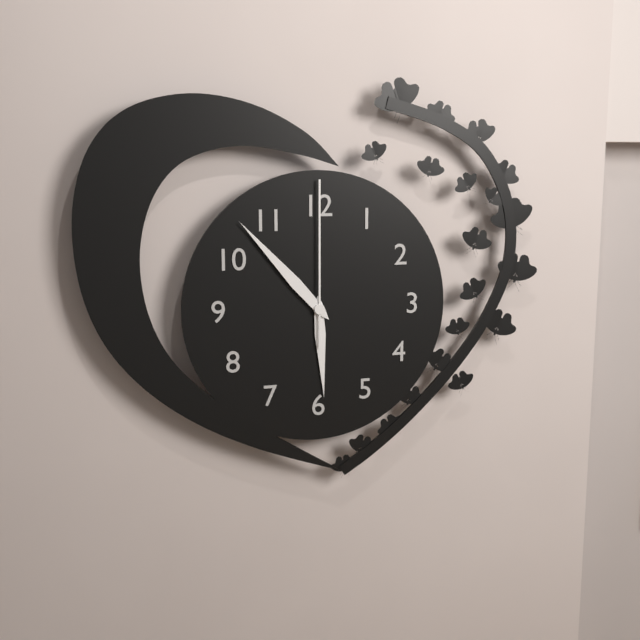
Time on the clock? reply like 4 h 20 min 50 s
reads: 5 h 53 min 00 s
